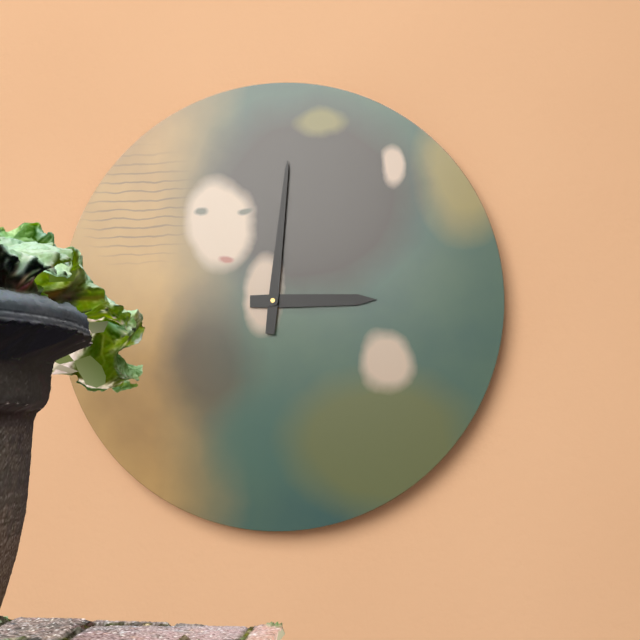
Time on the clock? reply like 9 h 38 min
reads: 3 h 01 min
